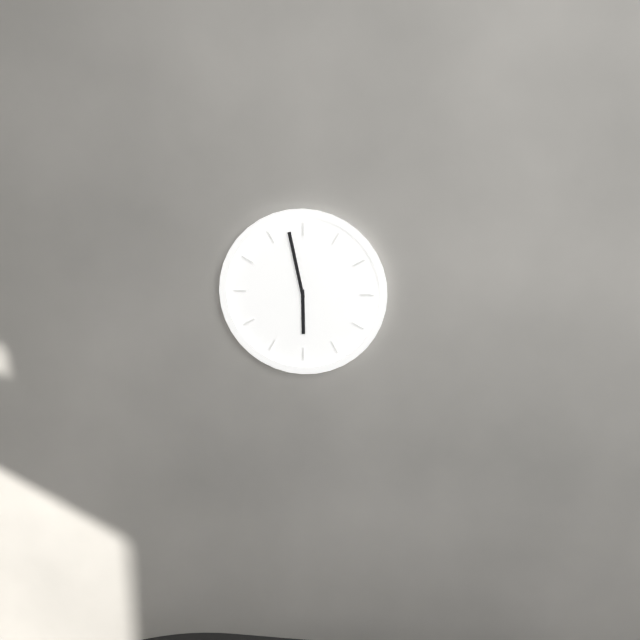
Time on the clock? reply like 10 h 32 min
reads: 5 h 58 min
